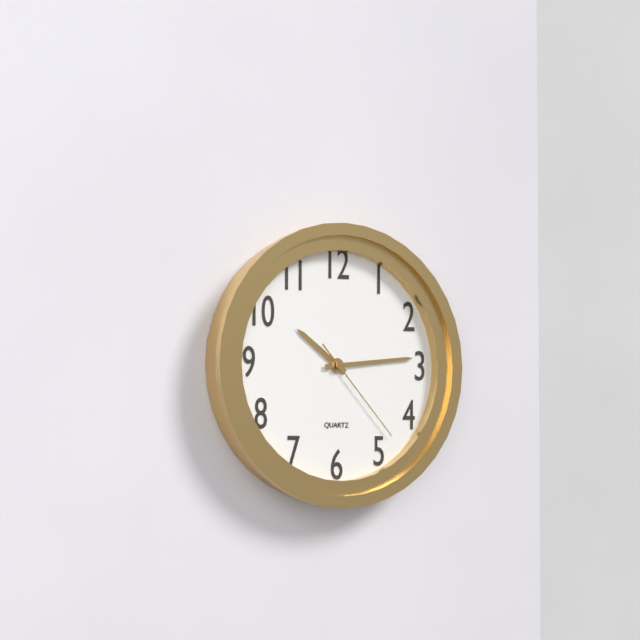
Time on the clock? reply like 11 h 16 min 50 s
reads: 10 h 14 min 23 s
